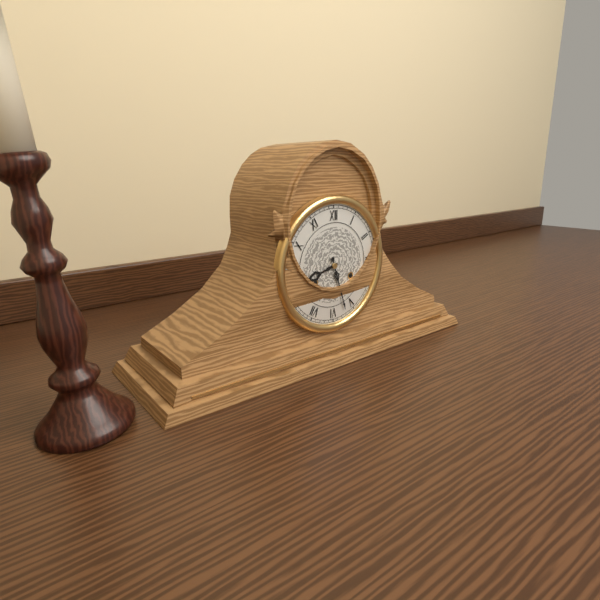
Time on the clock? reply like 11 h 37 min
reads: 8 h 27 min
